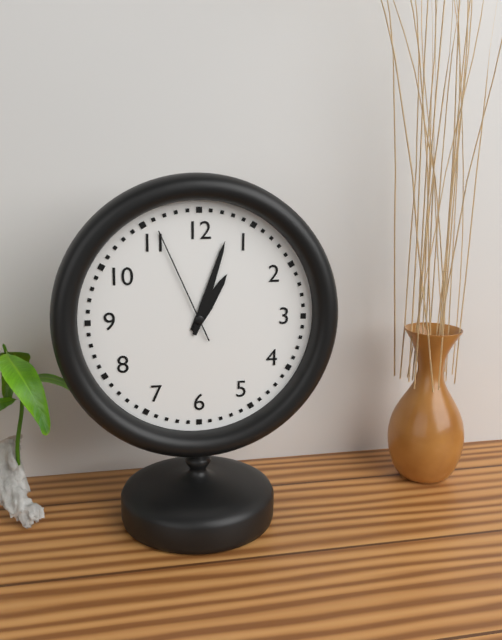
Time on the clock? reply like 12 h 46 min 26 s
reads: 1 h 03 min 56 s
